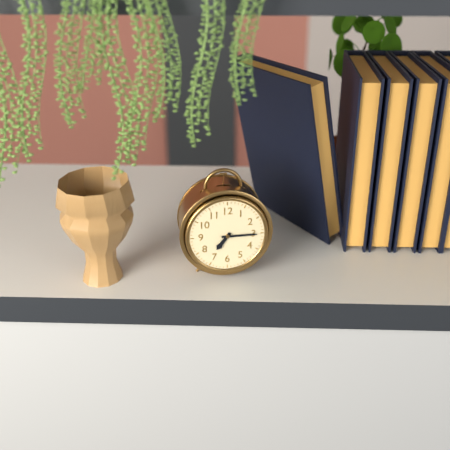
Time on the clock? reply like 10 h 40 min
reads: 7 h 15 min
